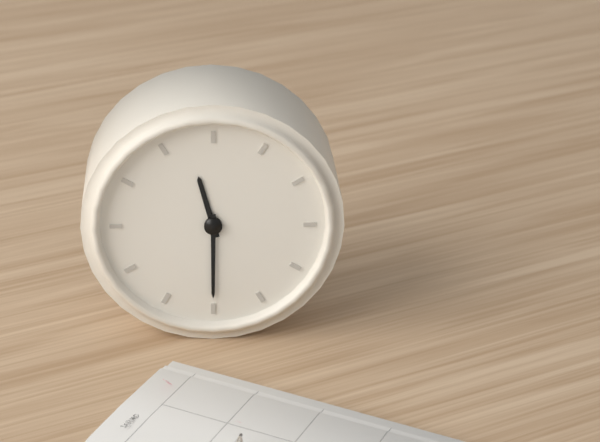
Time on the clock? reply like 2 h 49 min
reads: 11 h 30 min
